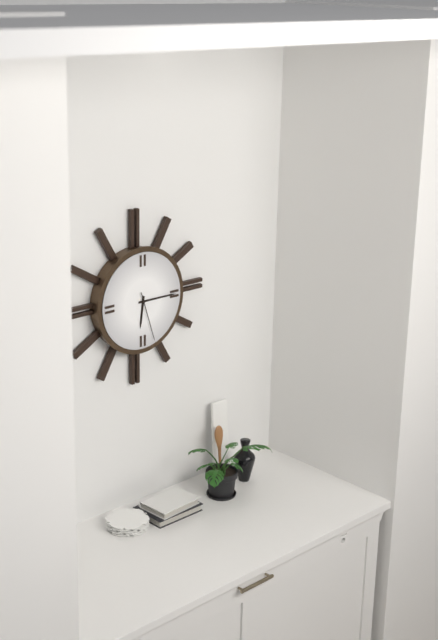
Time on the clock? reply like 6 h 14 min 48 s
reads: 6 h 15 min 27 s
